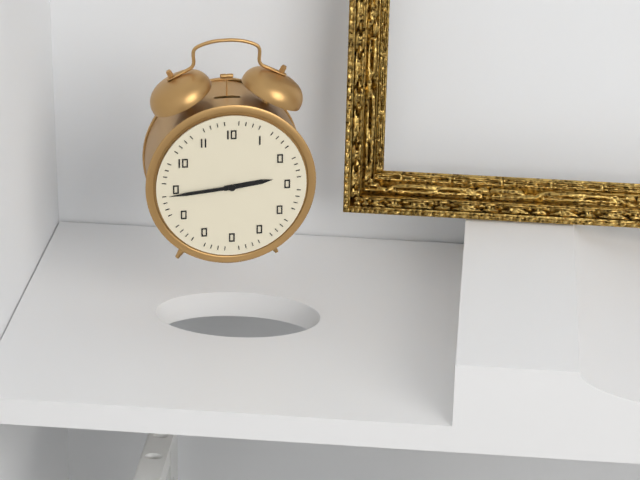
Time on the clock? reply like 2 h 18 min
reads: 2 h 44 min
